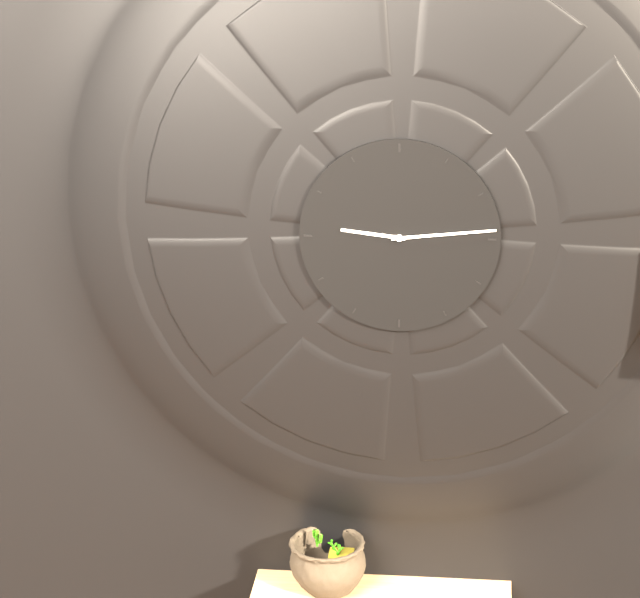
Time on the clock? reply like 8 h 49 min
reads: 9 h 14 min
